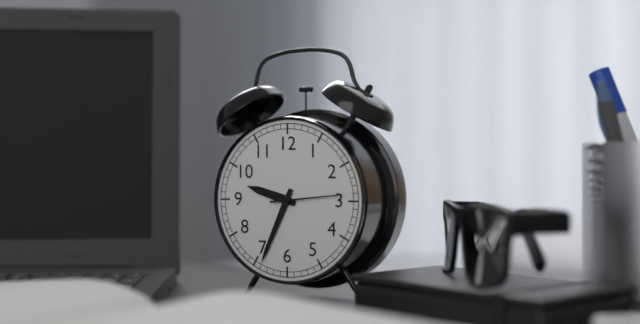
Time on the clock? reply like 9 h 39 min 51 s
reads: 9 h 34 min 14 s
